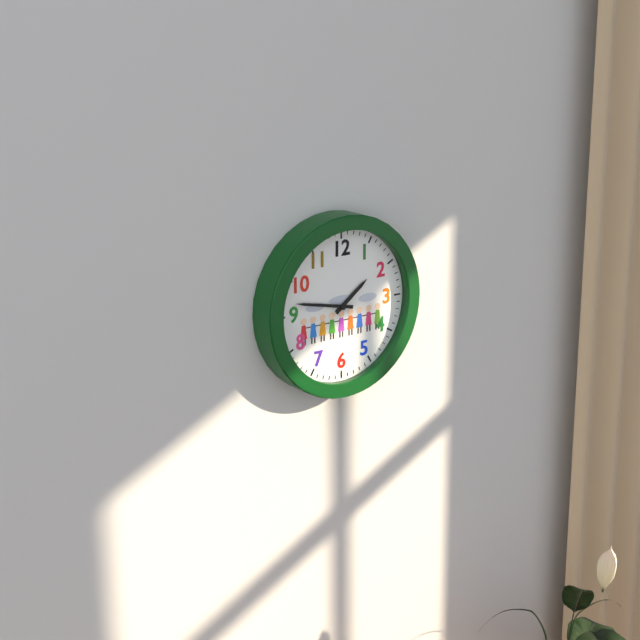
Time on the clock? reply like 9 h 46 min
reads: 1 h 47 min
